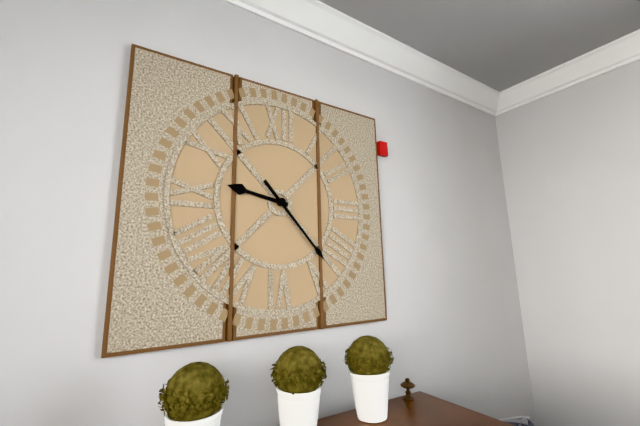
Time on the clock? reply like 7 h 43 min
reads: 9 h 23 min
